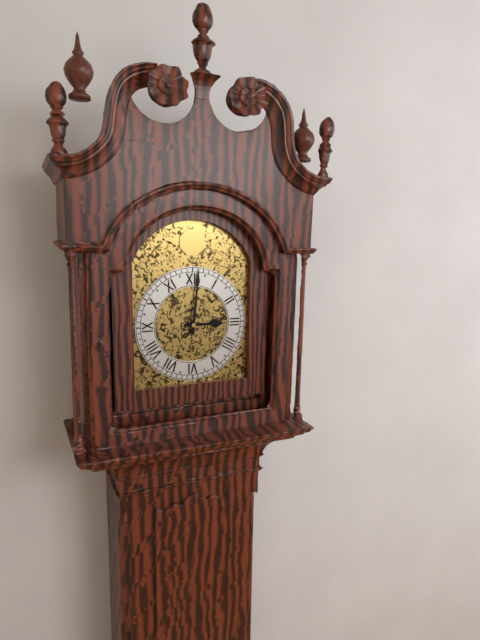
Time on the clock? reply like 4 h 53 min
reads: 3 h 01 min
